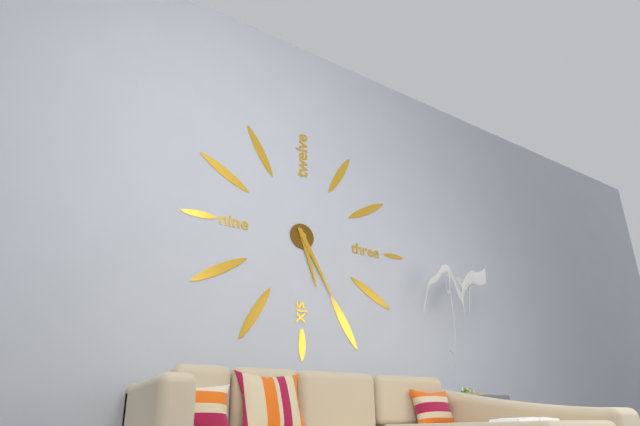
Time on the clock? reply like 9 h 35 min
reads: 5 h 25 min
